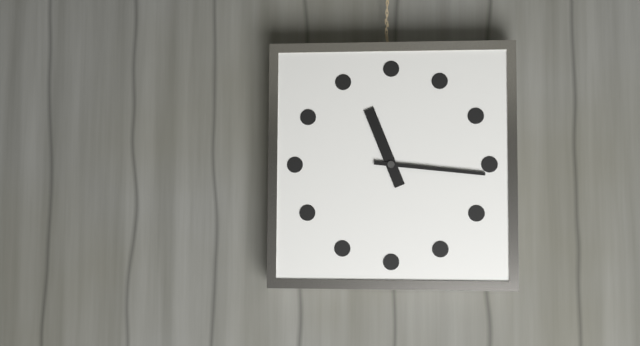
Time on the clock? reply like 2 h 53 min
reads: 11 h 16 min
